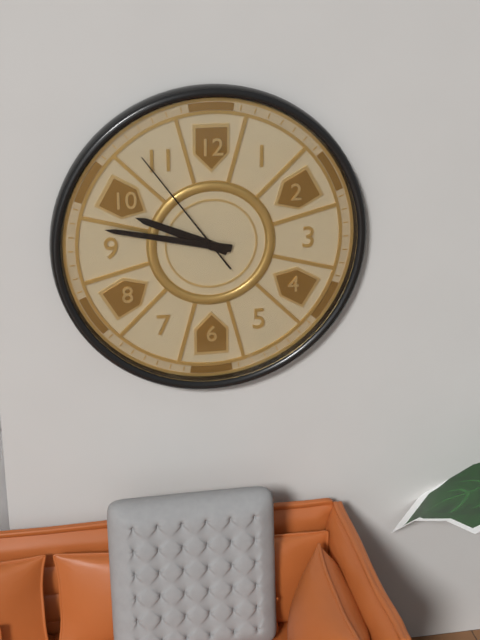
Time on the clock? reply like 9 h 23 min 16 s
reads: 9 h 47 min 54 s
